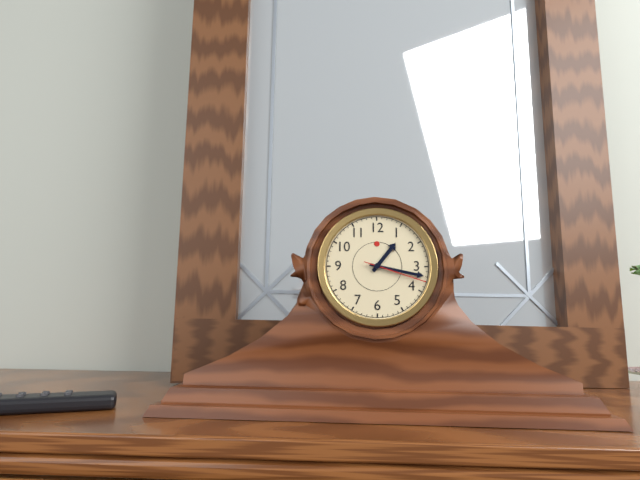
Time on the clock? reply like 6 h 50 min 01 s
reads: 1 h 17 min 18 s
